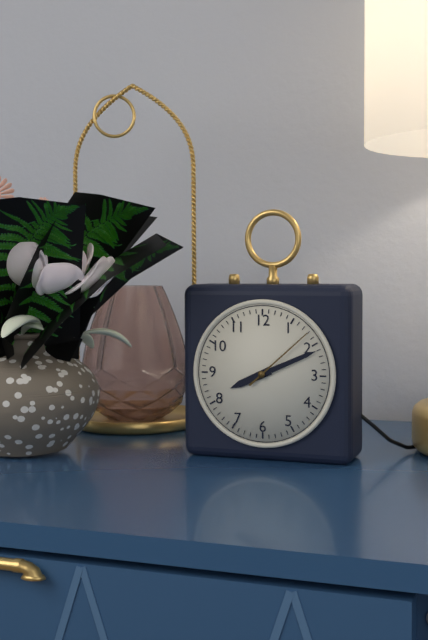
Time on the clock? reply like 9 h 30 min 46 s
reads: 8 h 11 min 08 s
